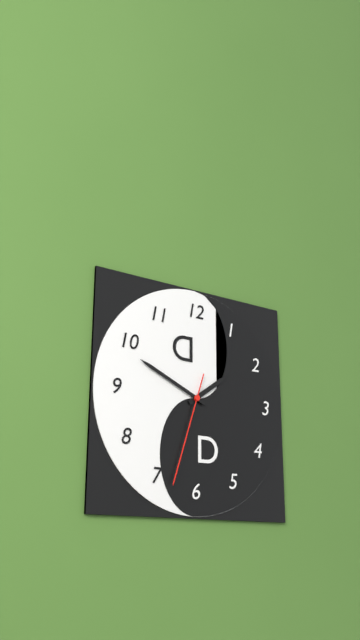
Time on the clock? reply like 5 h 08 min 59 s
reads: 1 h 49 min 33 s
